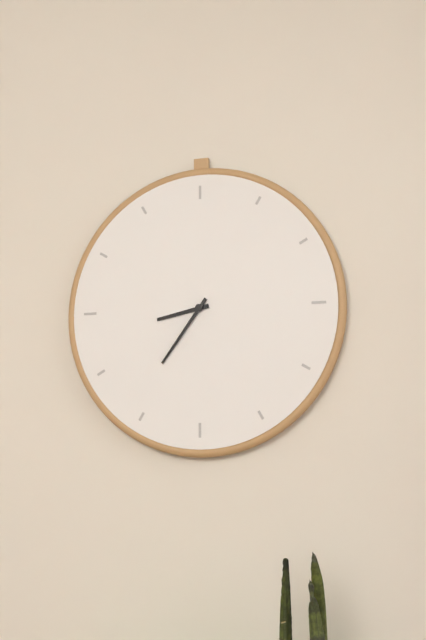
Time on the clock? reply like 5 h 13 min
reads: 8 h 36 min
